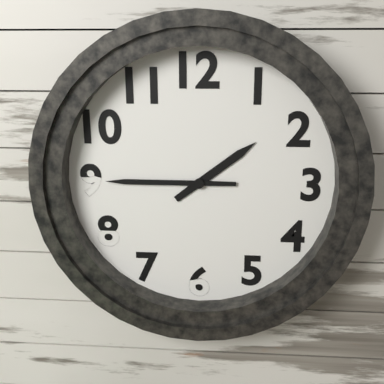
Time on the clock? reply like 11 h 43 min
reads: 1 h 45 min
